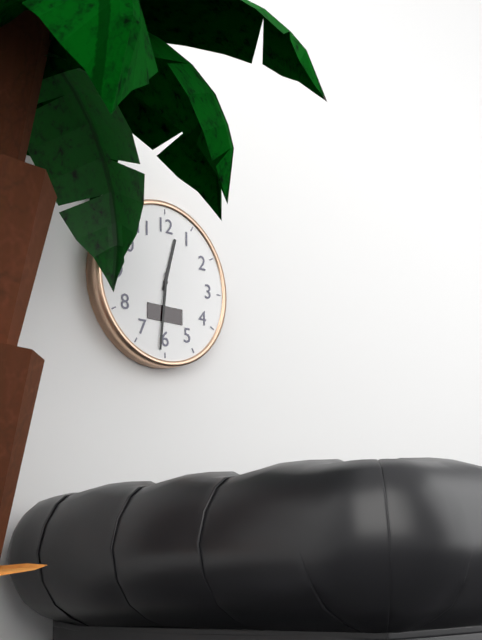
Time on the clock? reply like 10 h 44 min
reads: 12 h 31 min
